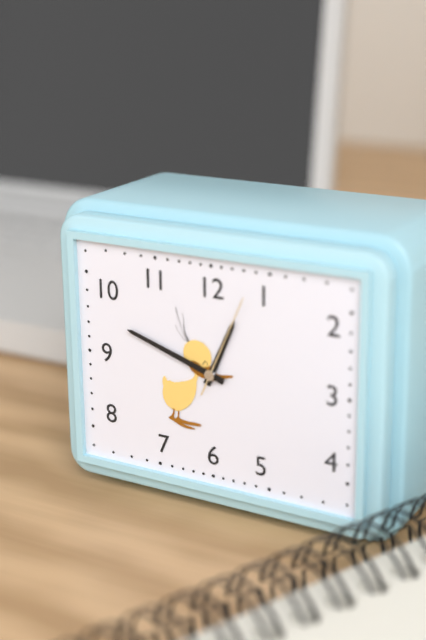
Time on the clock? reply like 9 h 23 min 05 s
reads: 12 h 48 min 04 s
